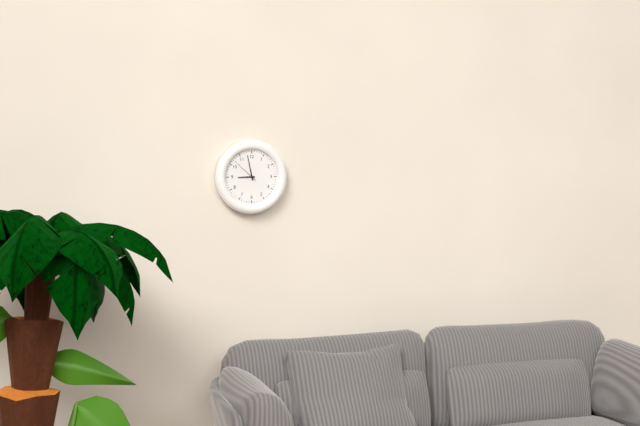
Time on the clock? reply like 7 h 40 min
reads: 8 h 58 min
